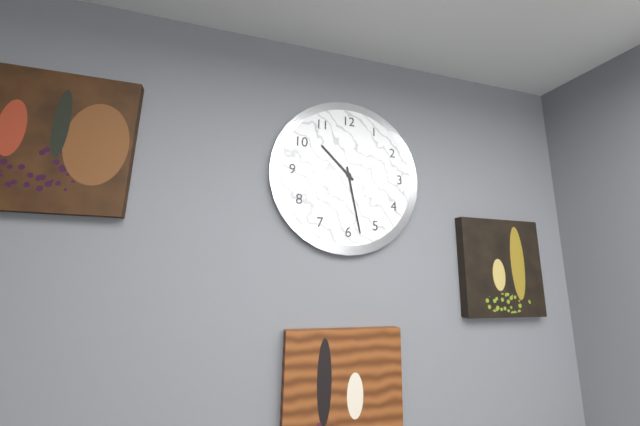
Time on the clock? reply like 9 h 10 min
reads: 10 h 28 min
